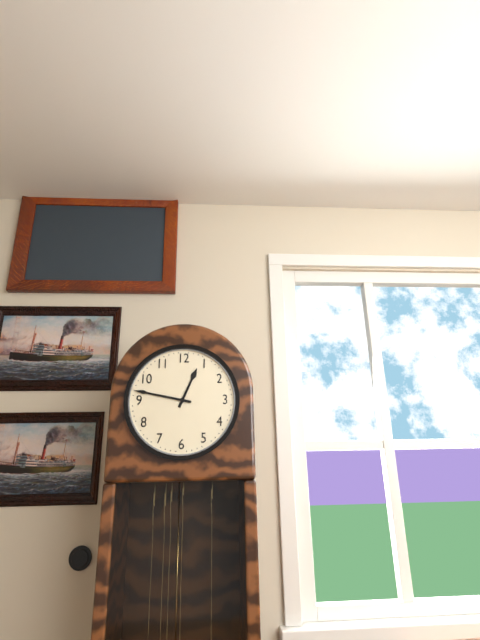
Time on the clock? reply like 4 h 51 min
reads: 12 h 47 min
